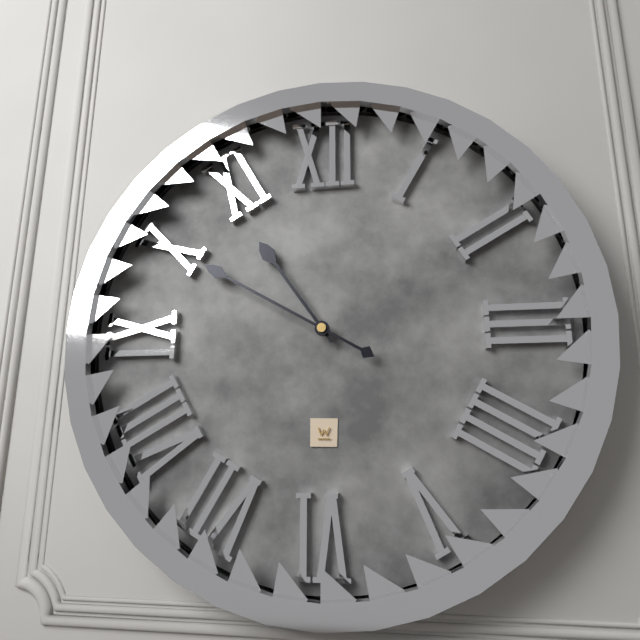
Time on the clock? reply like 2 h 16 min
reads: 10 h 50 min
